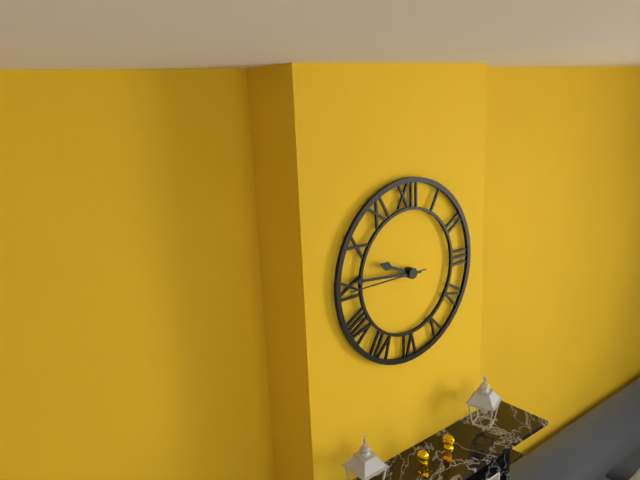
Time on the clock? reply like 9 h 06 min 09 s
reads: 9 h 46 min 45 s
